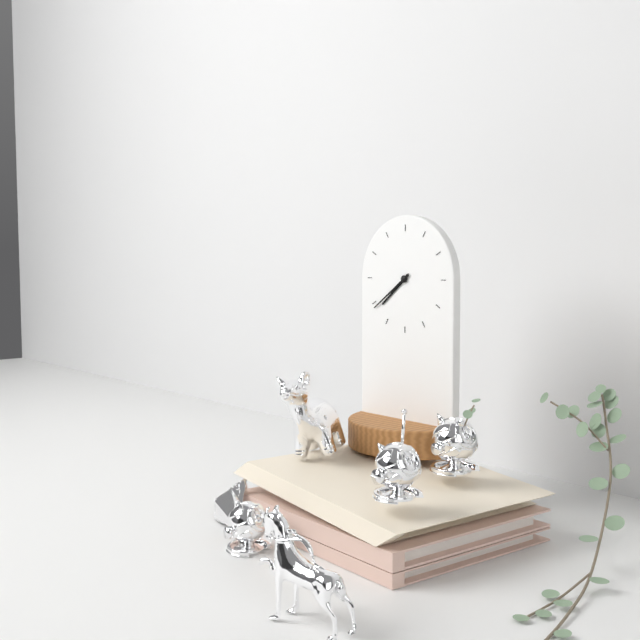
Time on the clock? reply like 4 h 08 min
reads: 7 h 39 min
